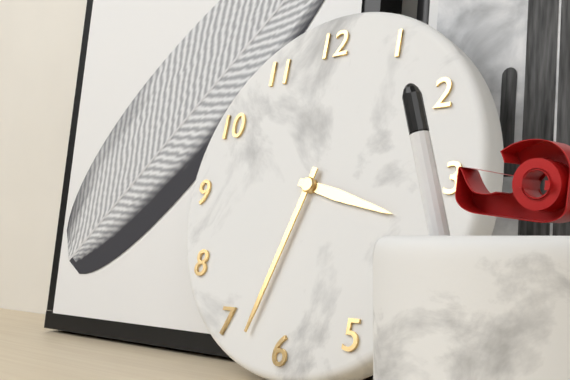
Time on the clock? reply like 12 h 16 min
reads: 3 h 33 min
